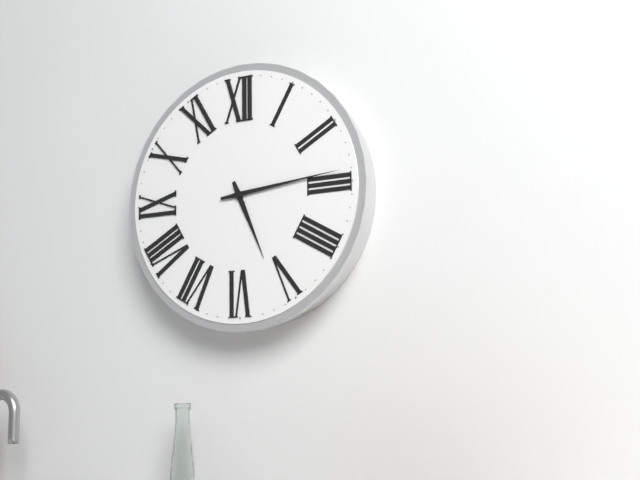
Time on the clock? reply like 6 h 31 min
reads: 5 h 14 min
